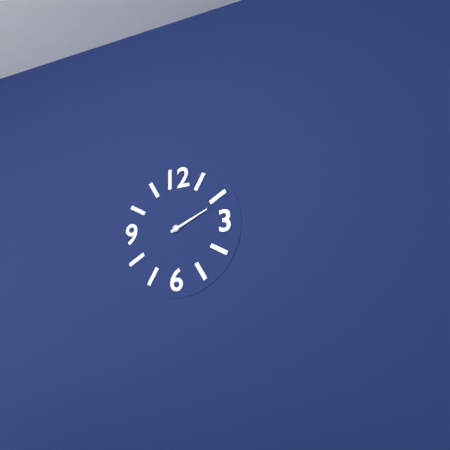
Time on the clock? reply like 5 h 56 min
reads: 2 h 11 min
